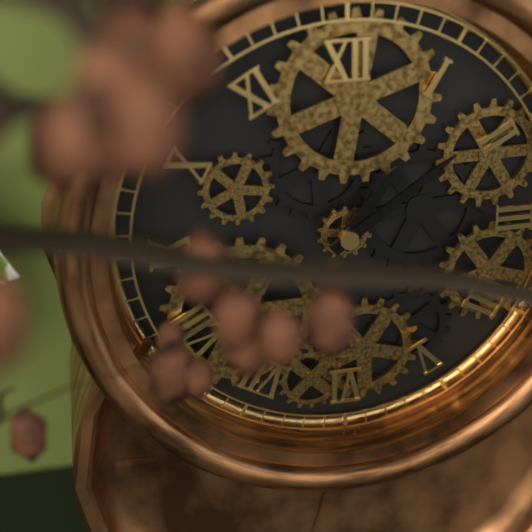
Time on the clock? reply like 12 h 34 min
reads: 1 h 09 min
